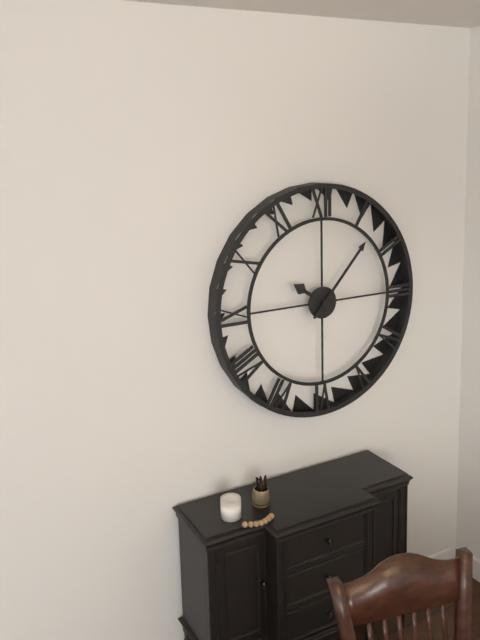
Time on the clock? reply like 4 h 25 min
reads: 10 h 07 min
